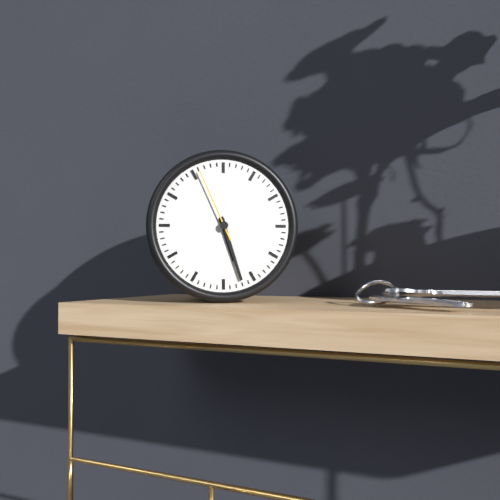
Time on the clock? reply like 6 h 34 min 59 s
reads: 5 h 27 min 56 s
